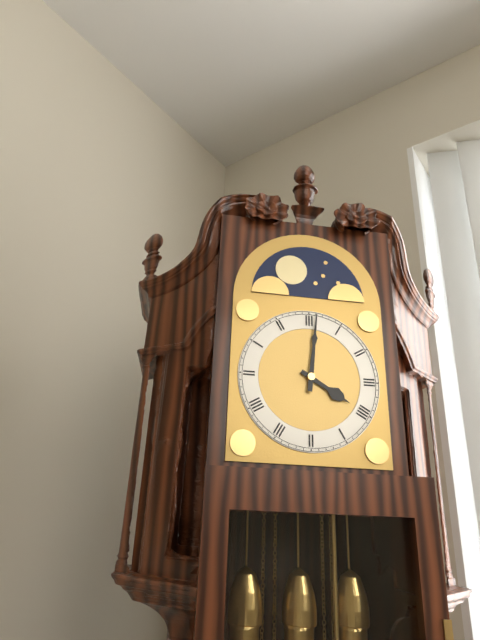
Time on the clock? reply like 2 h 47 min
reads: 4 h 01 min
